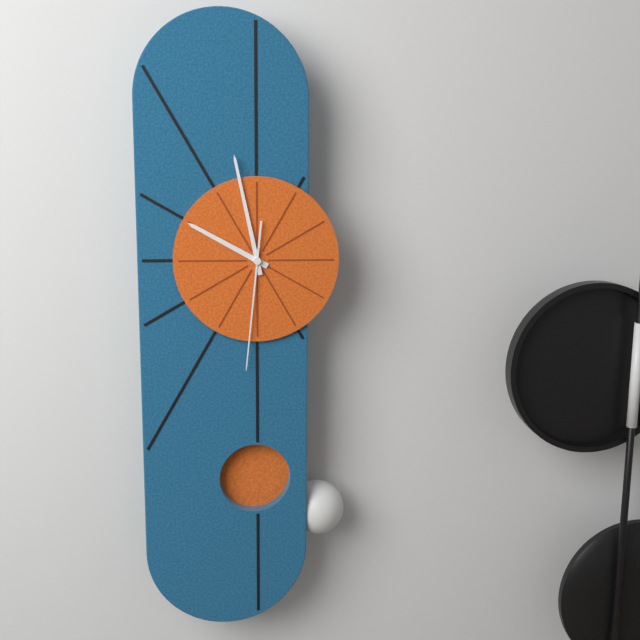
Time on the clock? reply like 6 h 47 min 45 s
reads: 9 h 58 min 31 s
